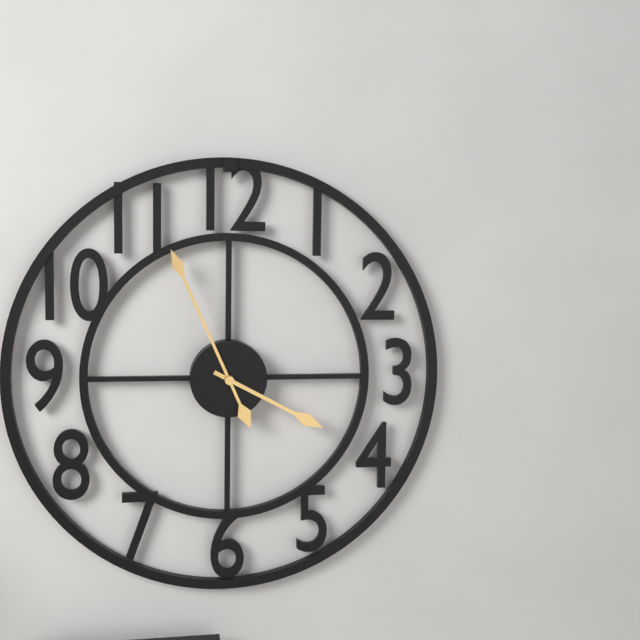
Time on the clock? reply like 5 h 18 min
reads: 3 h 56 min
